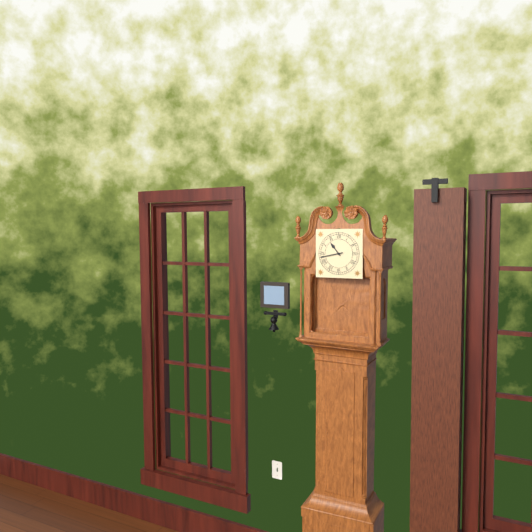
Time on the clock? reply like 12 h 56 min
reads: 10 h 43 min
